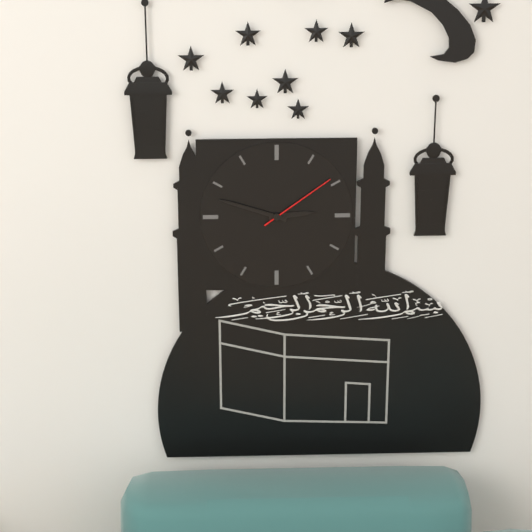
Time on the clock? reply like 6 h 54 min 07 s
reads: 2 h 48 min 09 s
